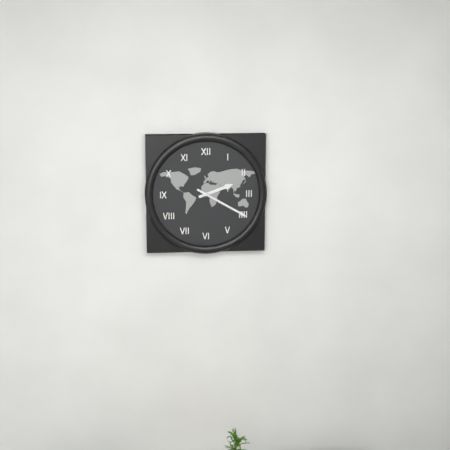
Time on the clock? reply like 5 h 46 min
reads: 2 h 20 min
